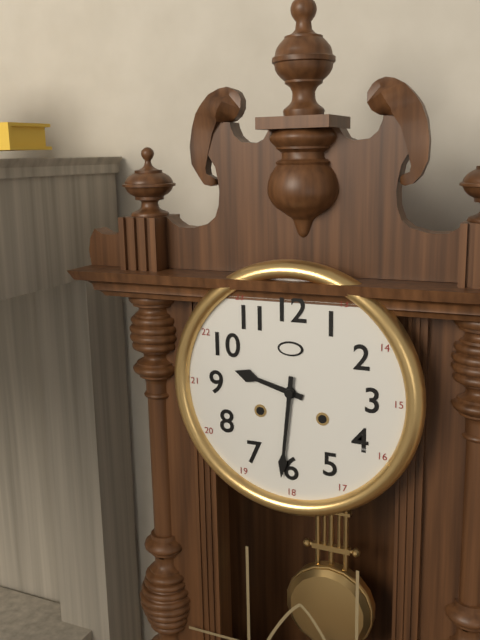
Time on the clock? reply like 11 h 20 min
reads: 9 h 31 min
